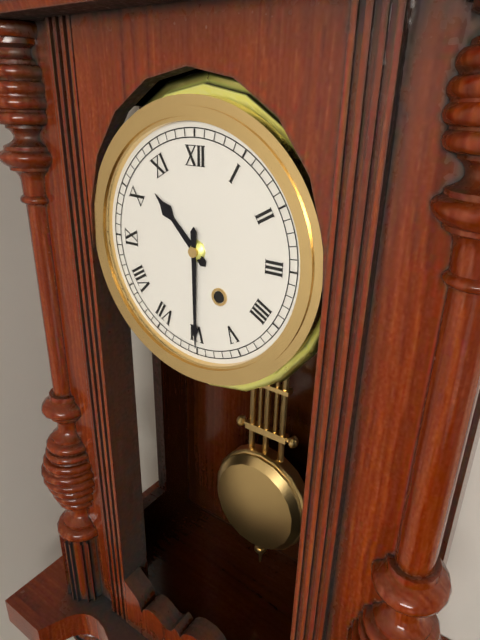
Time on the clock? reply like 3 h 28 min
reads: 10 h 30 min
